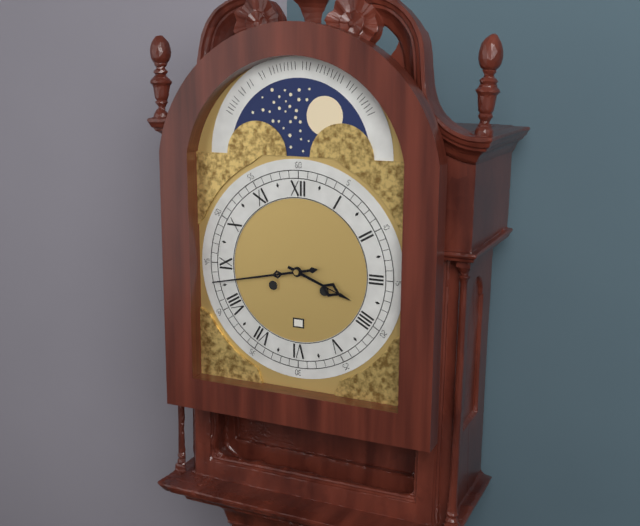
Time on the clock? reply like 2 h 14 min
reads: 3 h 43 min
